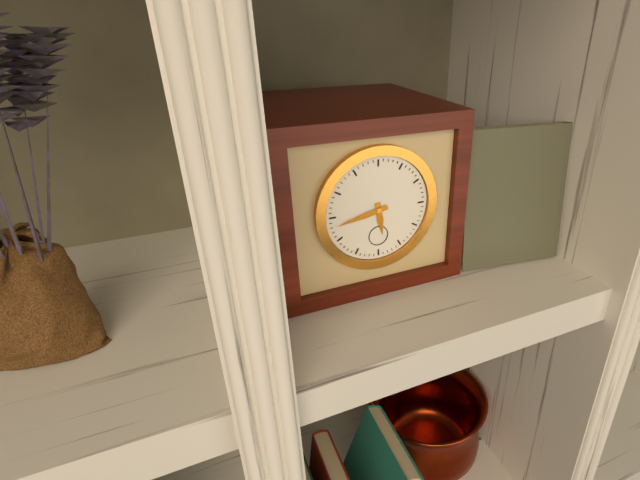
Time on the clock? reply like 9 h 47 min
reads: 5 h 43 min
